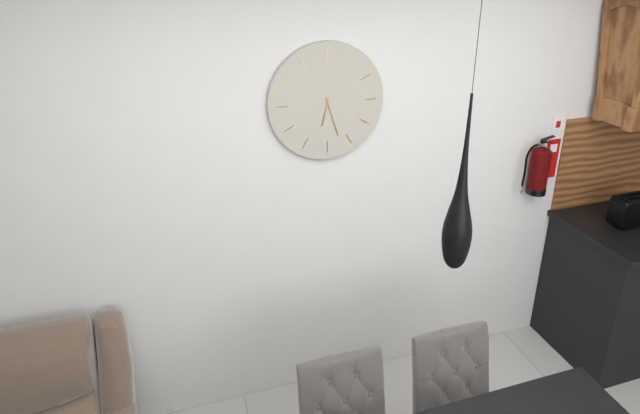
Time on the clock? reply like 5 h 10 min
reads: 6 h 27 min
